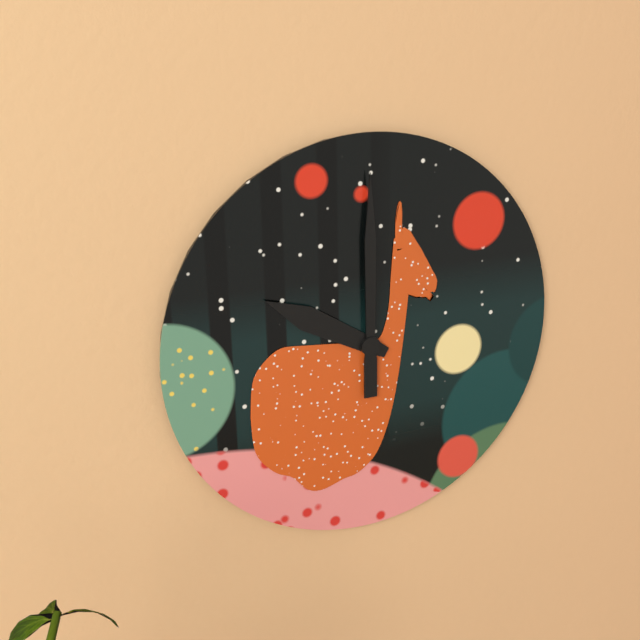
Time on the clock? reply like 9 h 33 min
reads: 10 h 00 min
